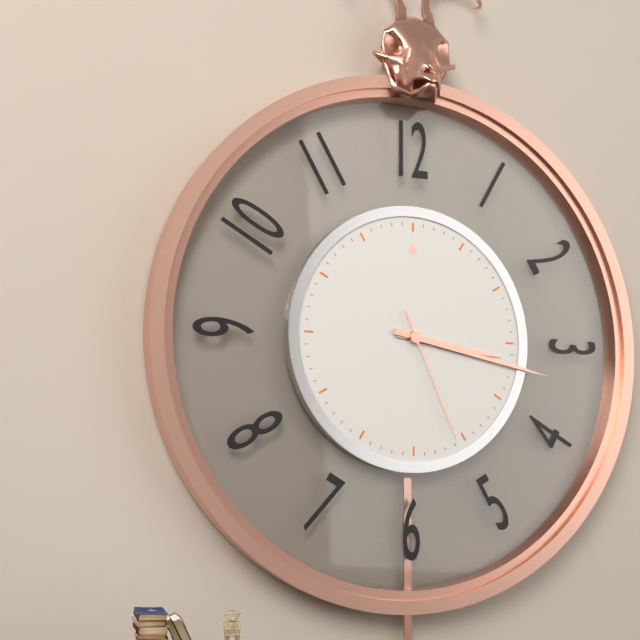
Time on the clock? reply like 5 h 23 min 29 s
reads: 3 h 17 min 26 s
